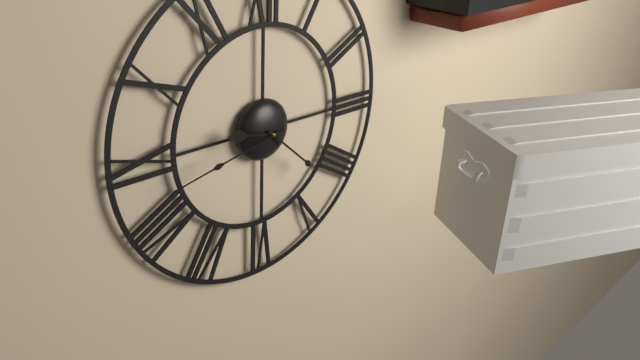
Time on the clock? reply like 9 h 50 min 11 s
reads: 9 h 22 min 43 s
